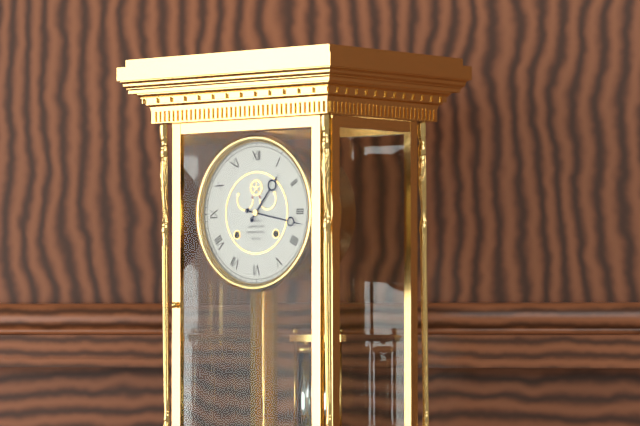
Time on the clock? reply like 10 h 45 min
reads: 1 h 17 min
